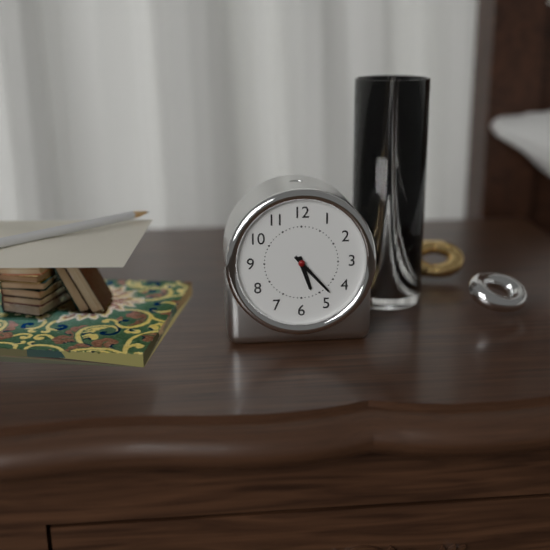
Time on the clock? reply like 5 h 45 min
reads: 5 h 23 min
